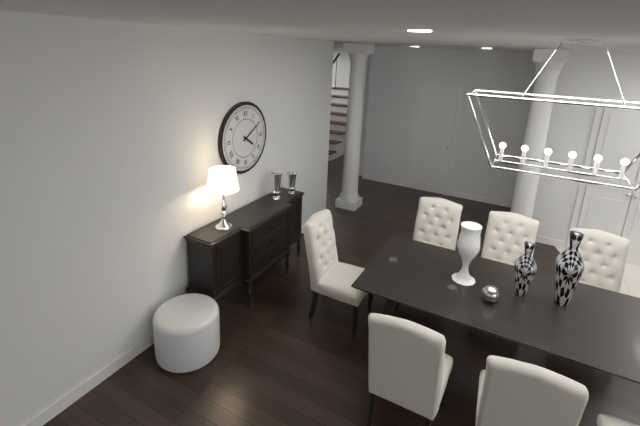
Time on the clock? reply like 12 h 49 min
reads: 4 h 10 min
